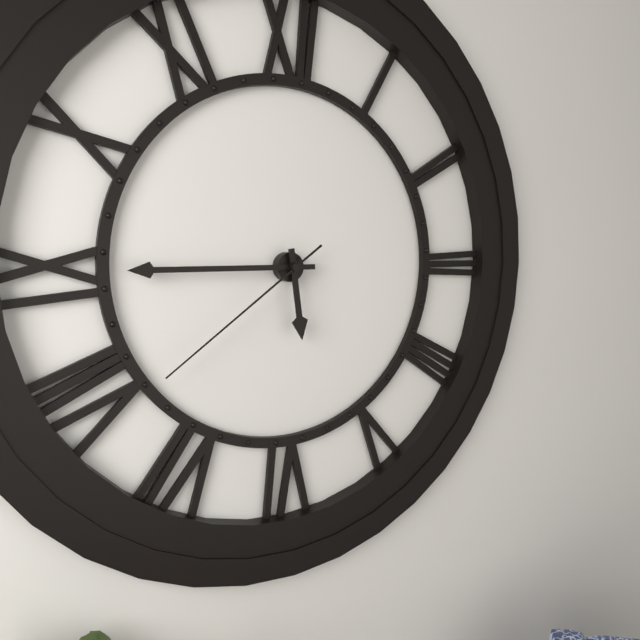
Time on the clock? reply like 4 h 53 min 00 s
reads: 5 h 45 min 39 s
